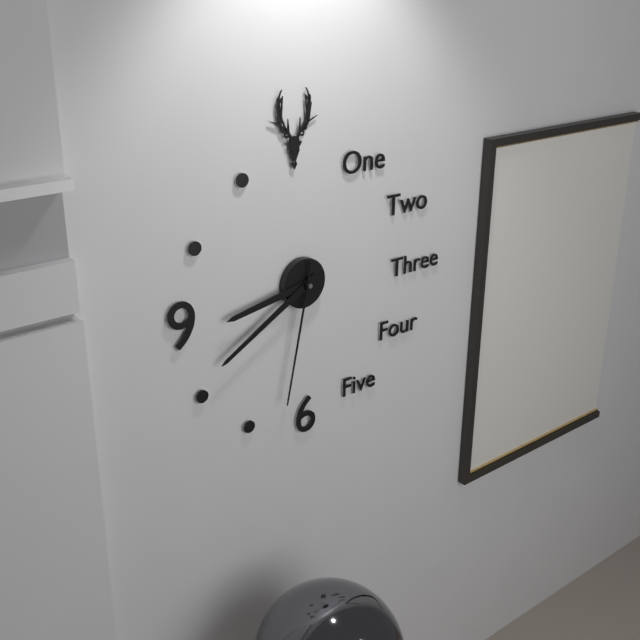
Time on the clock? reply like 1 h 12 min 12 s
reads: 8 h 40 min 32 s
